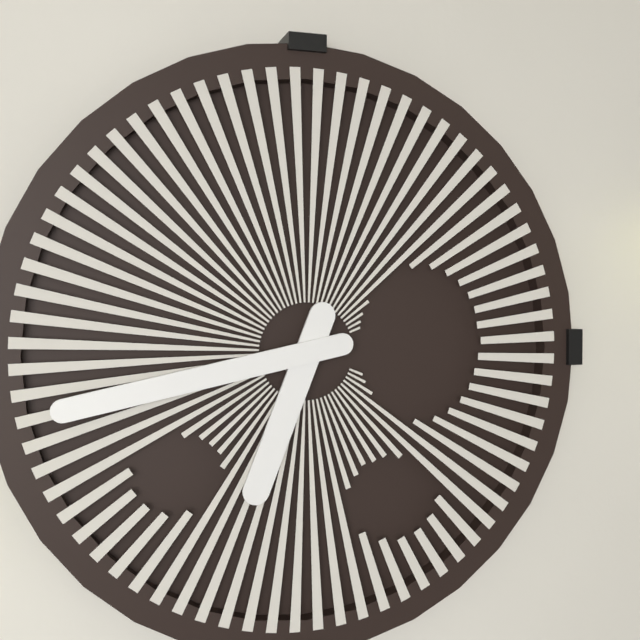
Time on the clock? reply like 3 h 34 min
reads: 6 h 43 min
